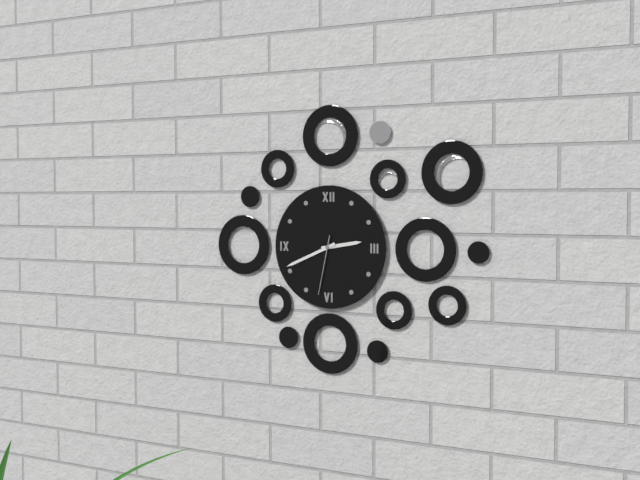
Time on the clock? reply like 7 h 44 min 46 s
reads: 2 h 41 min 32 s
